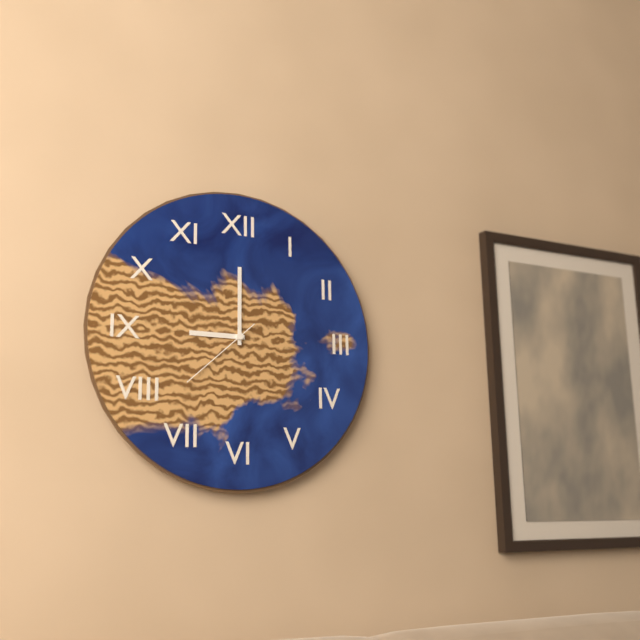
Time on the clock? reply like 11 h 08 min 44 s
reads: 9 h 00 min 38 s
